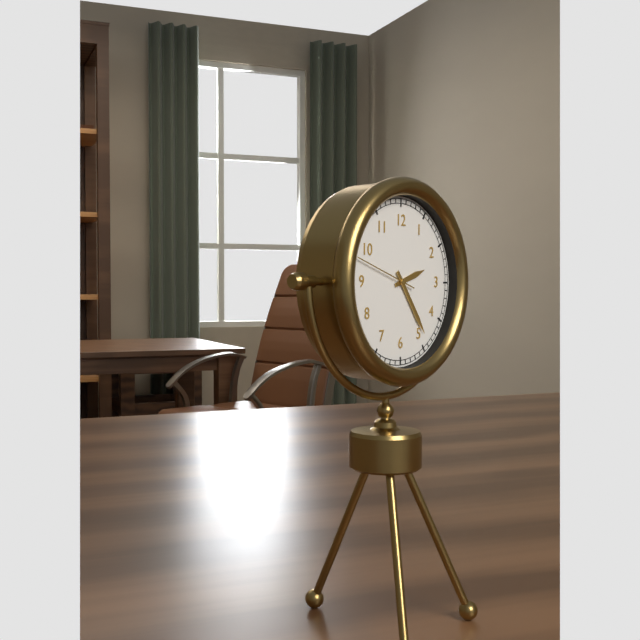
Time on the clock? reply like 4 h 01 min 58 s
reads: 2 h 24 min 48 s
